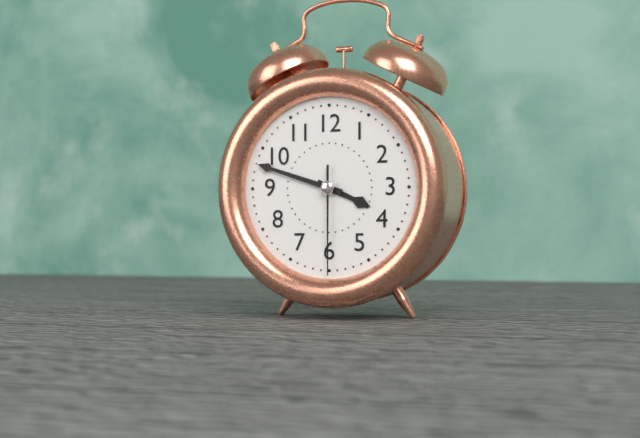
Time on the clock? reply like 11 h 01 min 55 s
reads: 3 h 48 min 30 s
